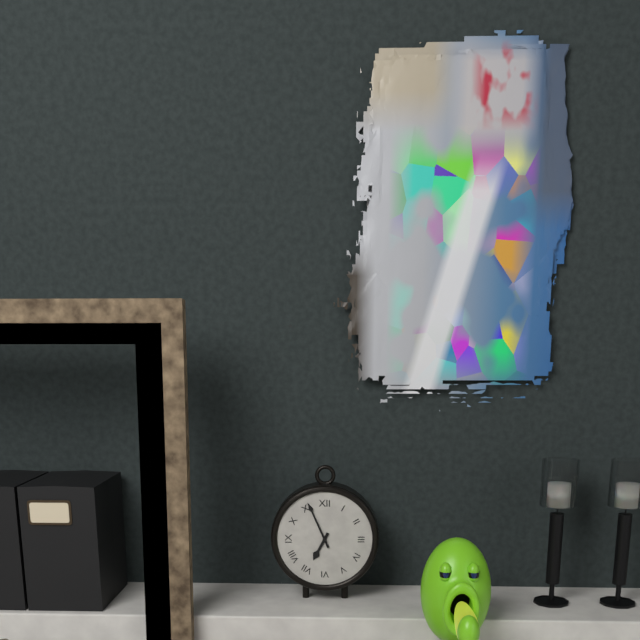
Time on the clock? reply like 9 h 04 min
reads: 6 h 56 min
